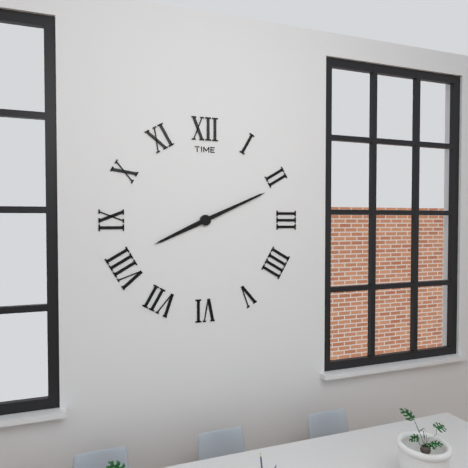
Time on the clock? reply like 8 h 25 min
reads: 8 h 11 min
